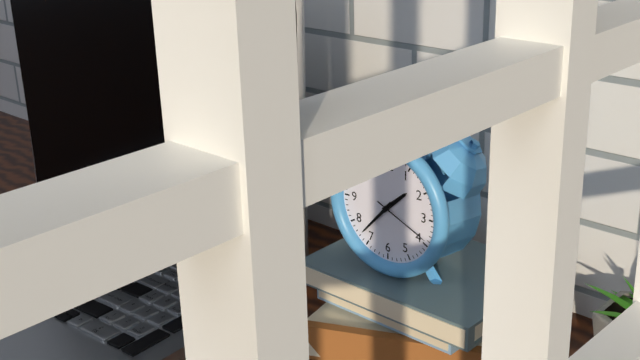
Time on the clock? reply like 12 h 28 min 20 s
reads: 1 h 37 min 19 s
